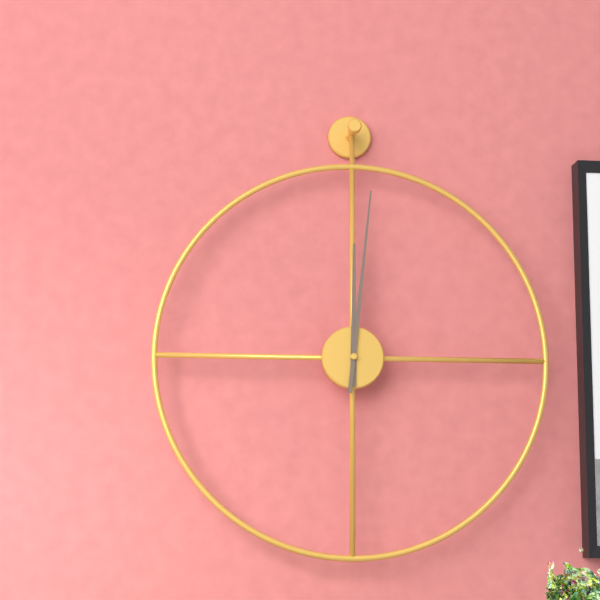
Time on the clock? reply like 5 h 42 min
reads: 12 h 01 min
